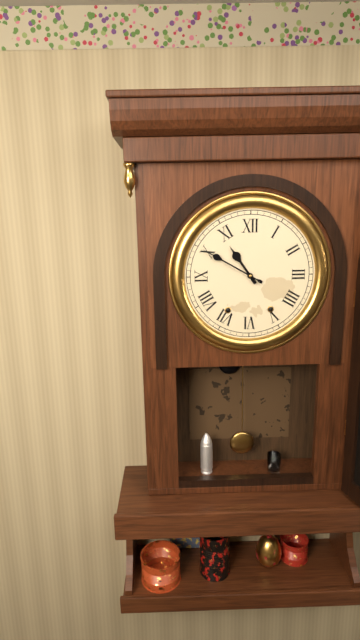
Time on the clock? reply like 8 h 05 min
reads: 10 h 50 min
